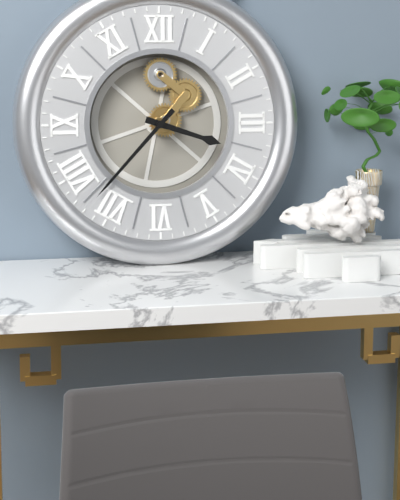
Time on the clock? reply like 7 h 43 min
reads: 3 h 37 min
